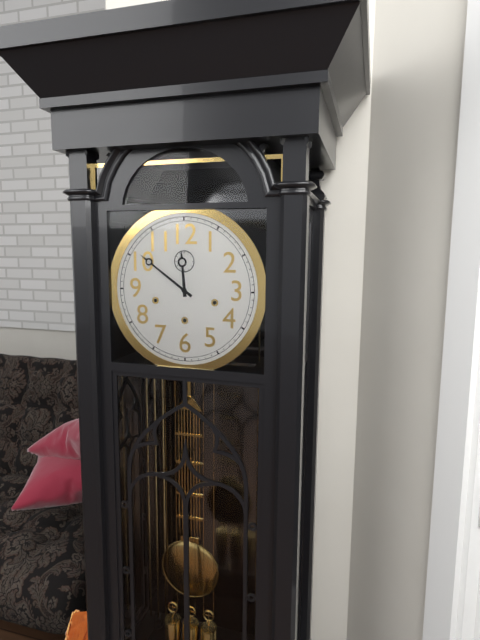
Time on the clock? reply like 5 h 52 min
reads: 11 h 51 min
